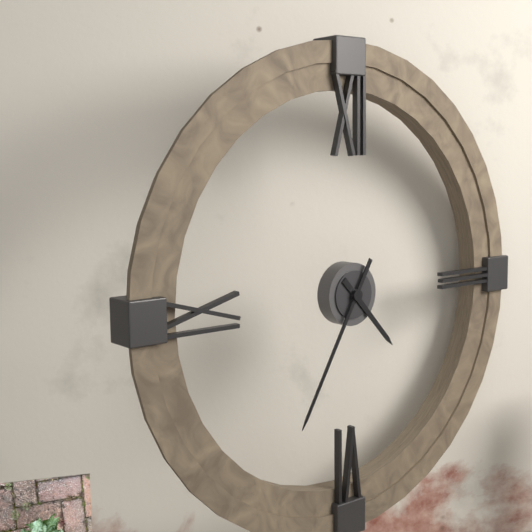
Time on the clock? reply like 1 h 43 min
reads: 4 h 35 min
